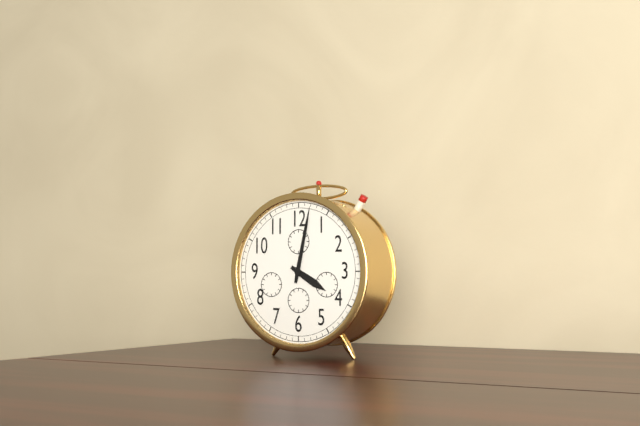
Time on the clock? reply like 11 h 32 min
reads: 4 h 02 min
